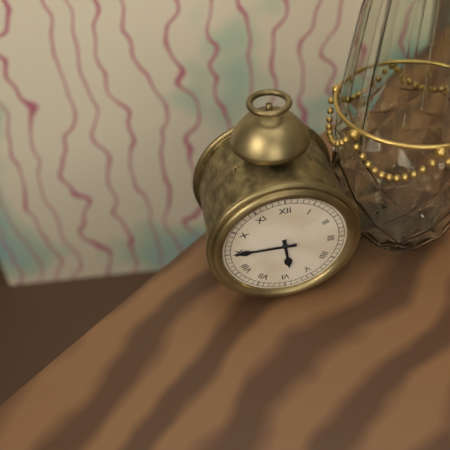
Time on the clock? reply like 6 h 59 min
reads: 5 h 45 min
